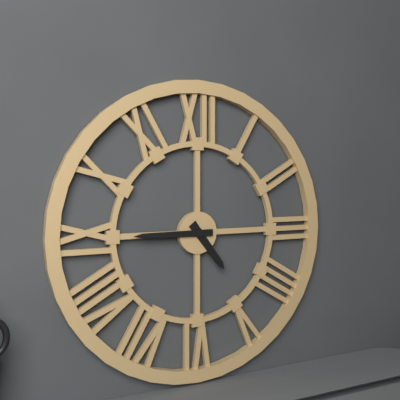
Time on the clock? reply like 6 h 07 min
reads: 4 h 45 min
